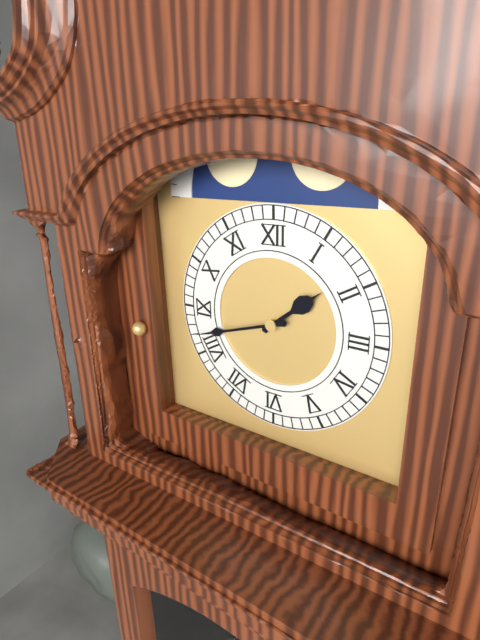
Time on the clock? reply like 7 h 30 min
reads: 1 h 42 min
